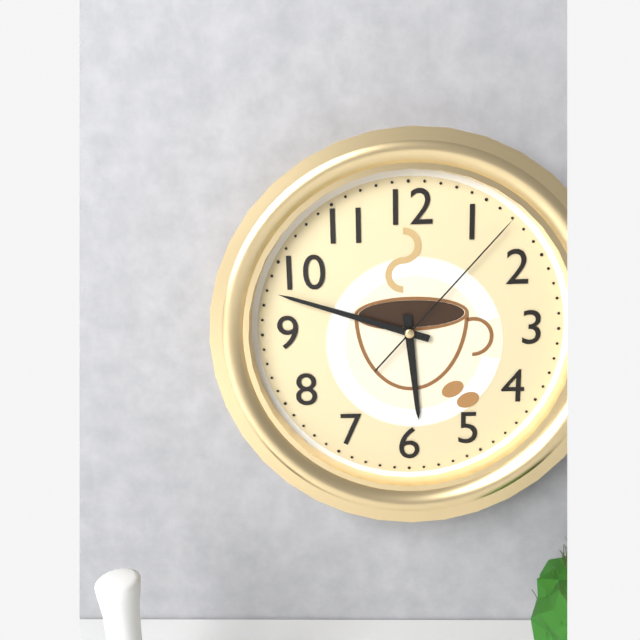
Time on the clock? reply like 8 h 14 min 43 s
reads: 5 h 48 min 07 s
